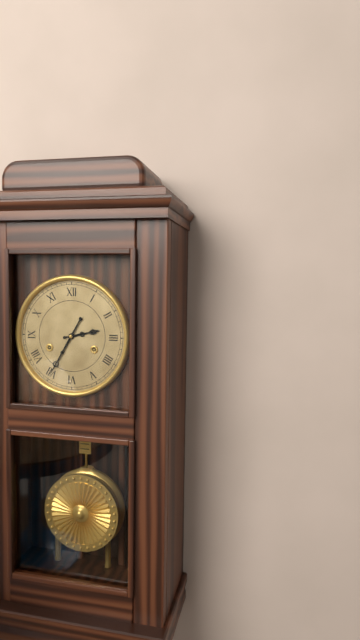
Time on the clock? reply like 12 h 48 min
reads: 2 h 35 min
